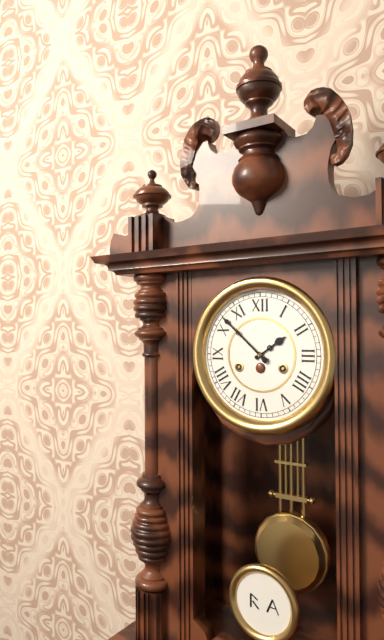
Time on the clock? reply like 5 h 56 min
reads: 1 h 52 min
